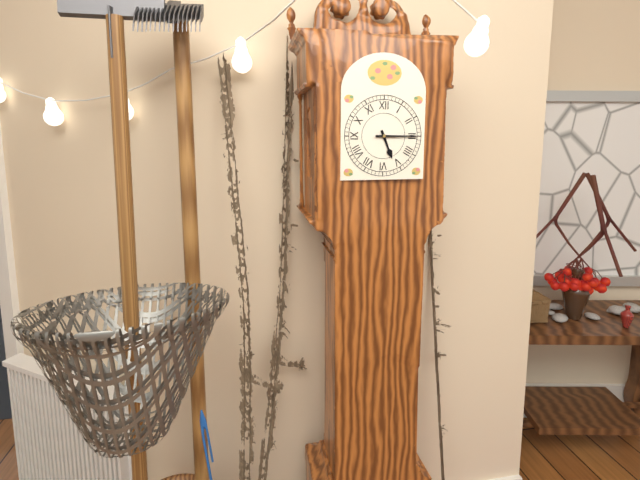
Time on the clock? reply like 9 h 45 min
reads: 5 h 15 min
